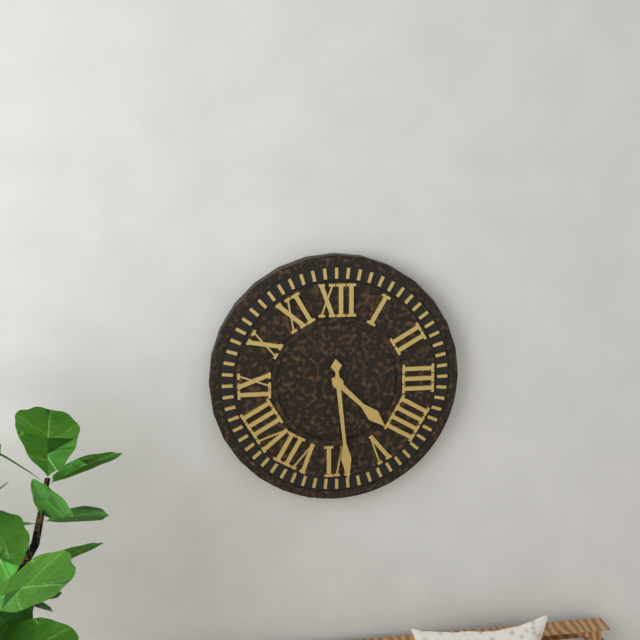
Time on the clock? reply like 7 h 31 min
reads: 4 h 29 min
